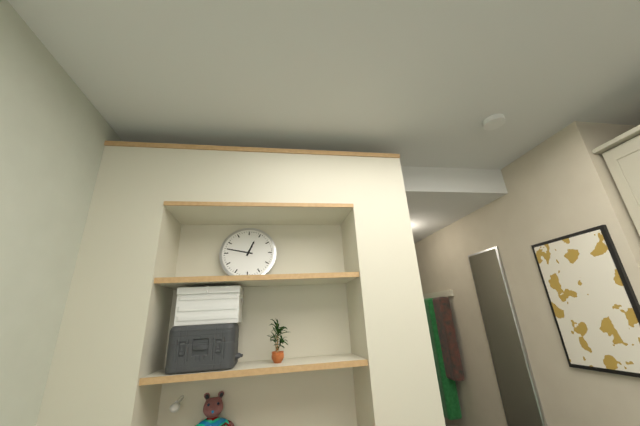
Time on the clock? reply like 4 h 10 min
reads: 12 h 47 min
